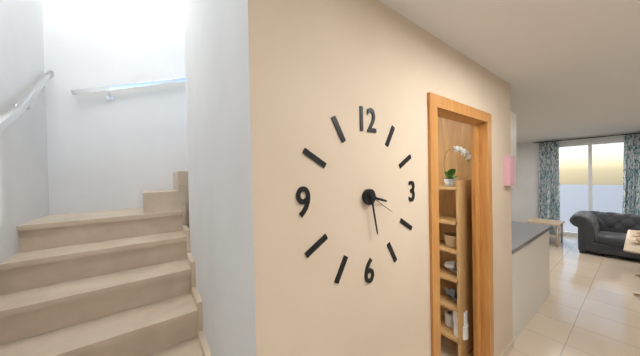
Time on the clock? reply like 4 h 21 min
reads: 3 h 28 min
